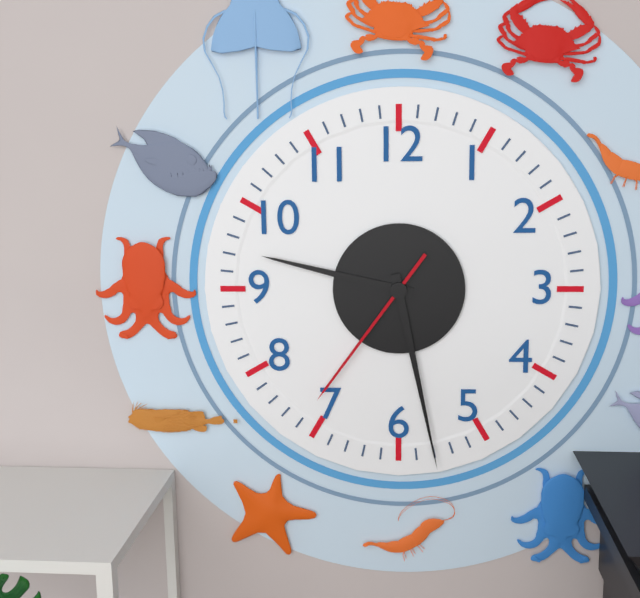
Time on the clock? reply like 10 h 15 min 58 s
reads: 9 h 28 min 36 s
